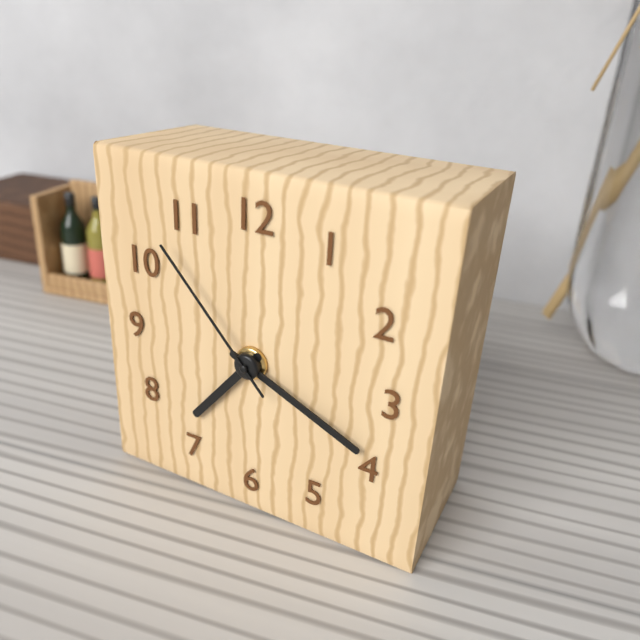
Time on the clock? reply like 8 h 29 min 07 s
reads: 7 h 19 min 53 s
